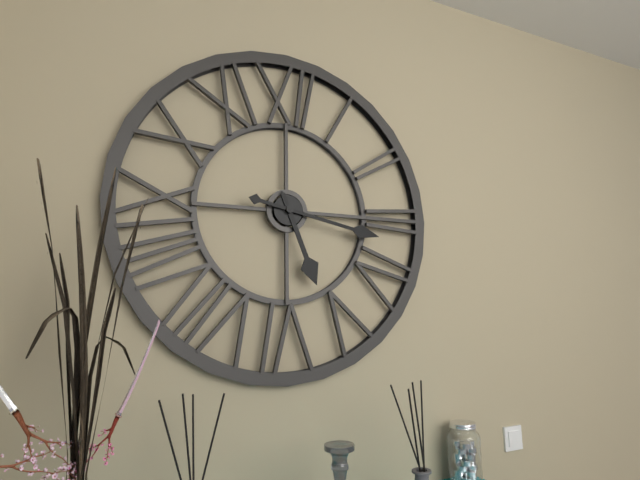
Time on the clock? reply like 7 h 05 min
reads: 5 h 17 min
